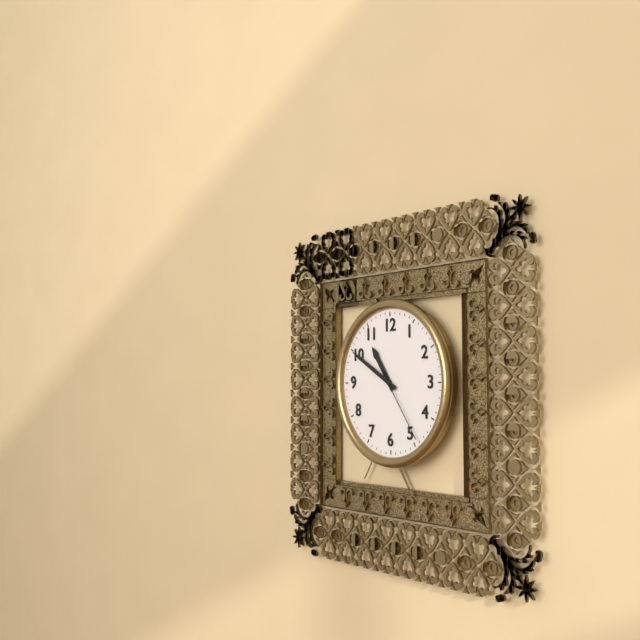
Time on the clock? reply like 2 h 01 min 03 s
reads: 10 h 50 min 24 s
